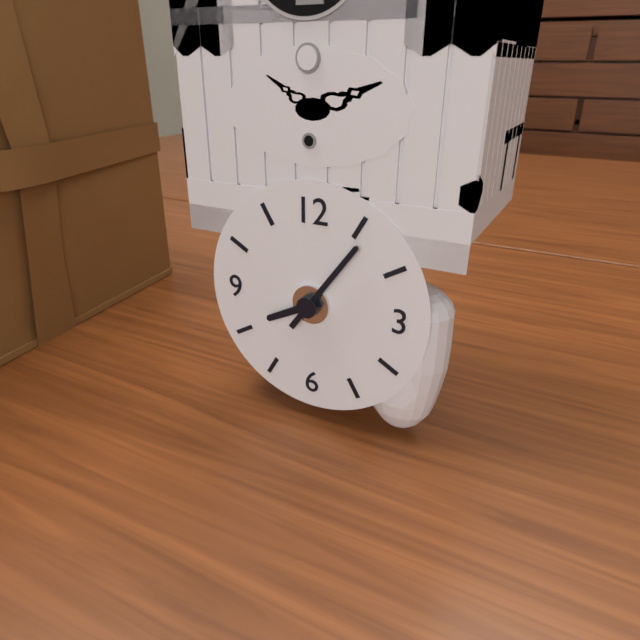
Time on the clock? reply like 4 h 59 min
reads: 8 h 06 min
